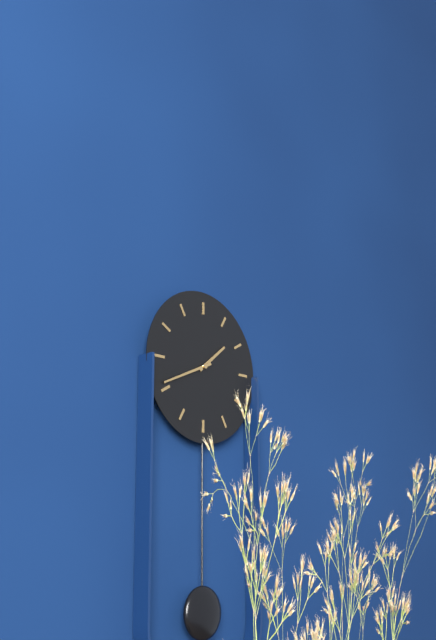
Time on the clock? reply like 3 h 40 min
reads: 1 h 41 min
